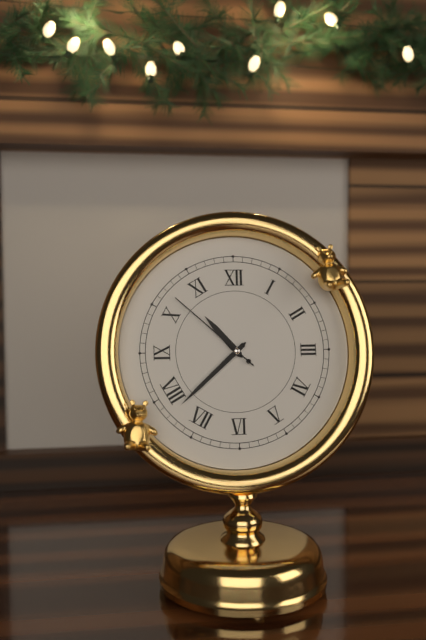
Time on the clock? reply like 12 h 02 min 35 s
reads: 10 h 38 min 52 s
